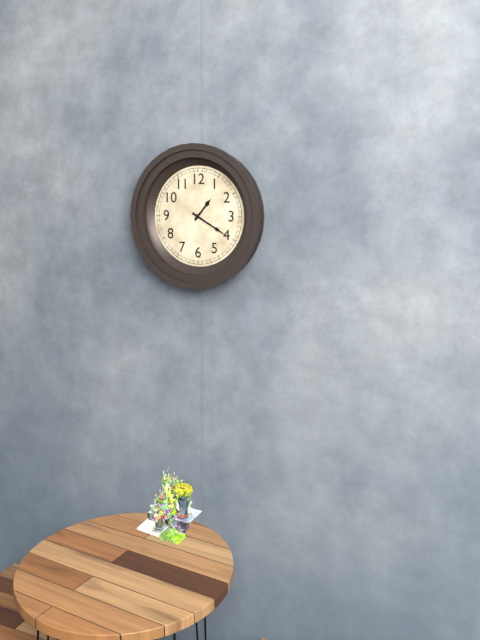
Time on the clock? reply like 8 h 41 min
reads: 1 h 20 min
